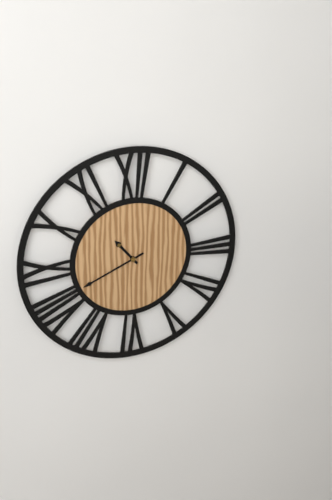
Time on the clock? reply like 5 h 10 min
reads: 10 h 41 min
